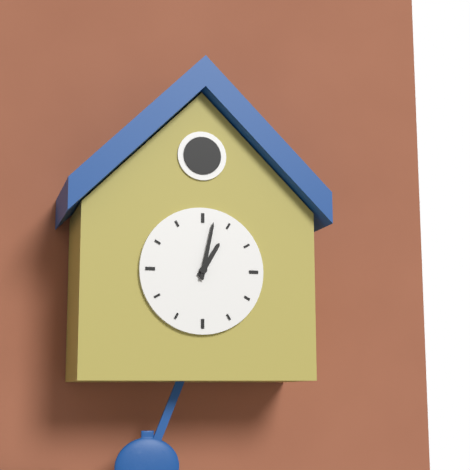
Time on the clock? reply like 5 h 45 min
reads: 1 h 02 min
